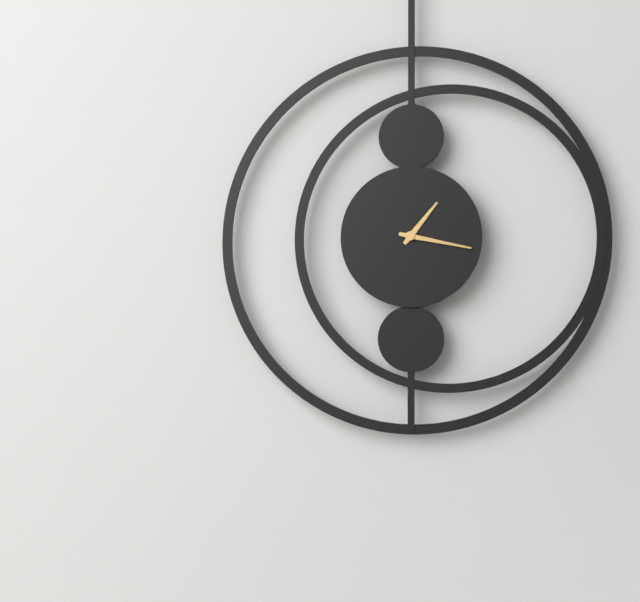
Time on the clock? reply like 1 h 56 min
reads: 1 h 17 min
